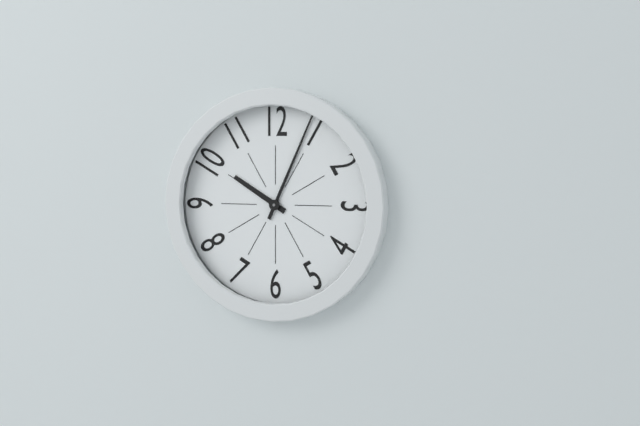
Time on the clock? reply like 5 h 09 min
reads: 10 h 04 min
